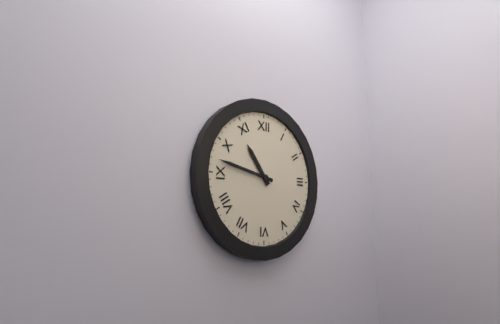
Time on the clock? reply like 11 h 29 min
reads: 10 h 47 min
